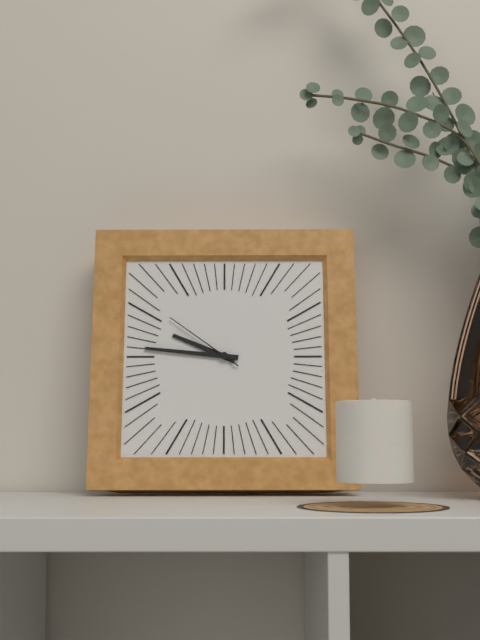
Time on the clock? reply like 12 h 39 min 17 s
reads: 9 h 46 min 51 s
